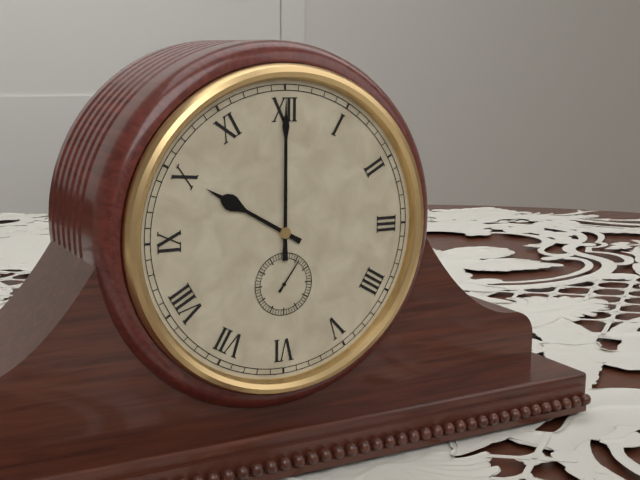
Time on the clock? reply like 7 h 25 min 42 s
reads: 10 h 00 min 06 s
